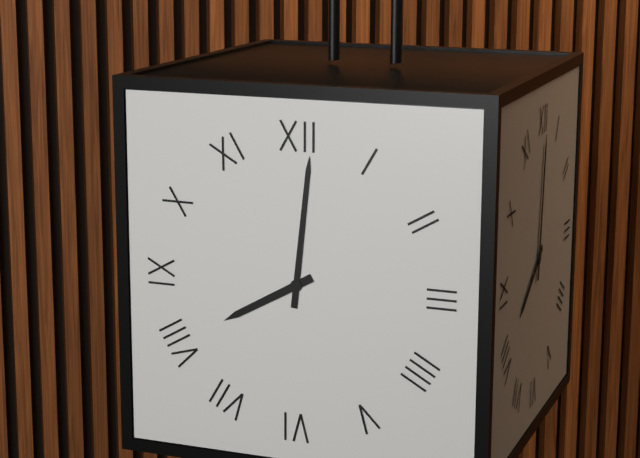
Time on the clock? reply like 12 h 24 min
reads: 8 h 01 min
